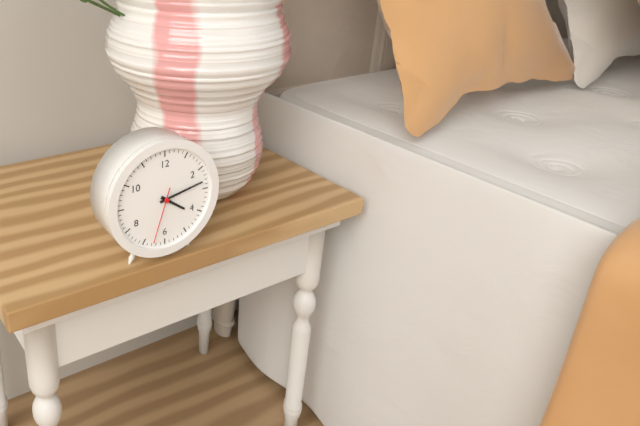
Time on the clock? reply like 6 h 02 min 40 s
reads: 4 h 13 min 33 s
